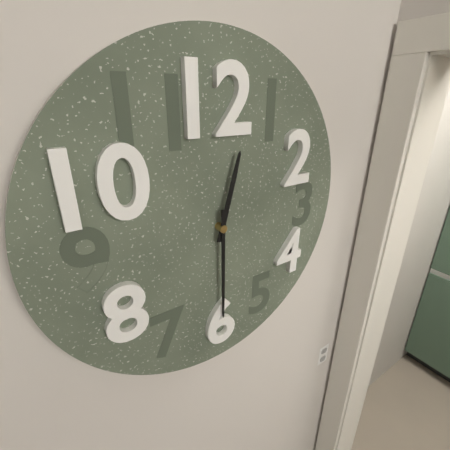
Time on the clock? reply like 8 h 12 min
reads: 12 h 30 min
